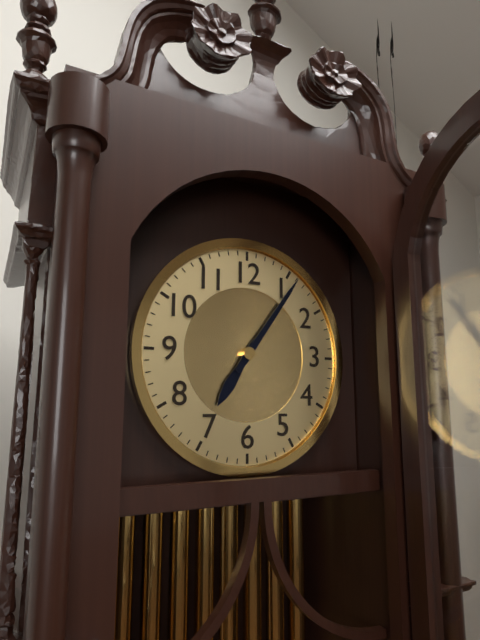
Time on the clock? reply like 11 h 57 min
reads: 7 h 06 min
